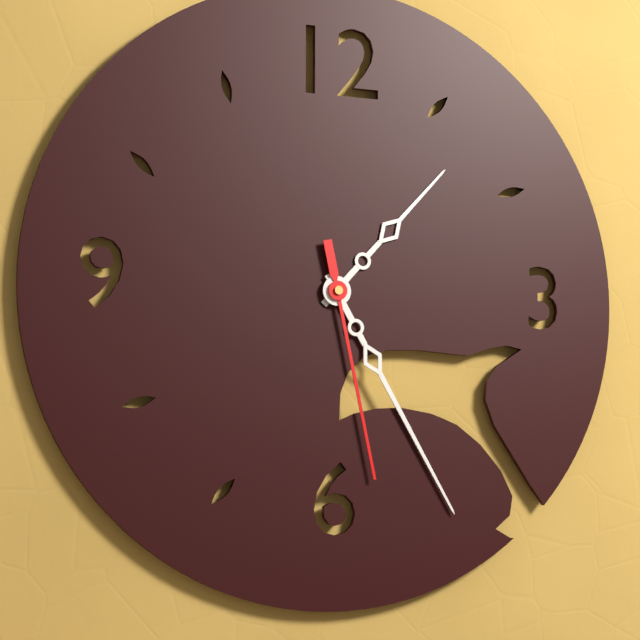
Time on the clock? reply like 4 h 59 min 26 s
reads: 1 h 25 min 28 s
